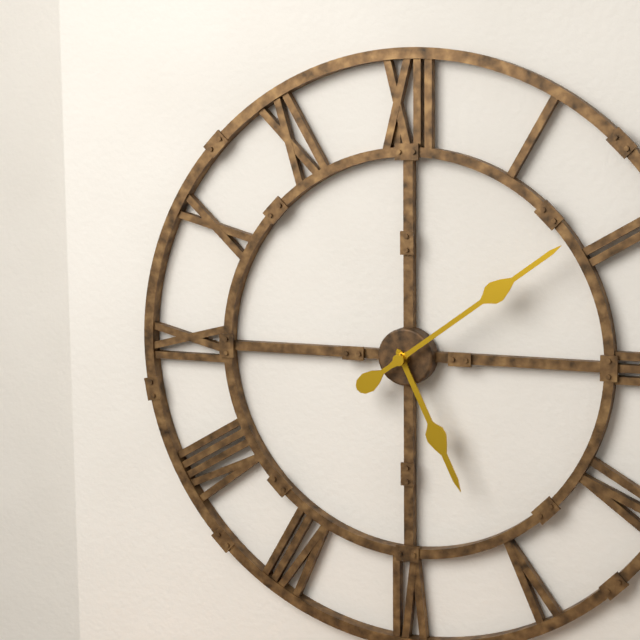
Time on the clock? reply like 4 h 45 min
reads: 5 h 09 min
